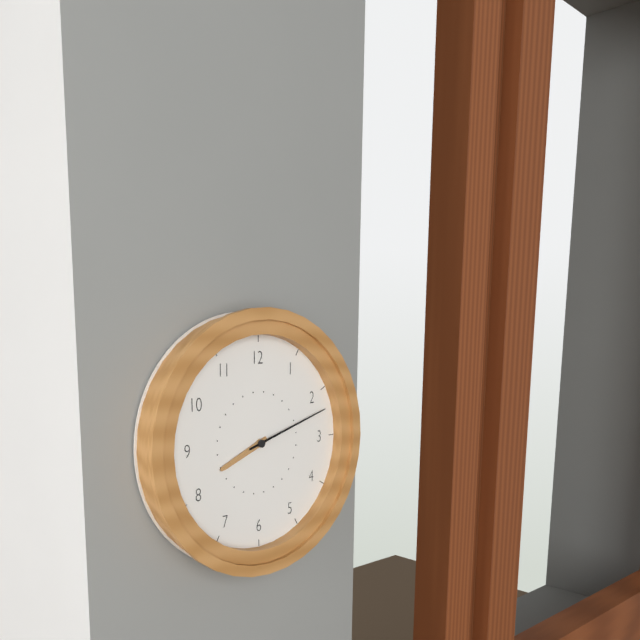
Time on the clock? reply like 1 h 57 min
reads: 8 h 12 min
